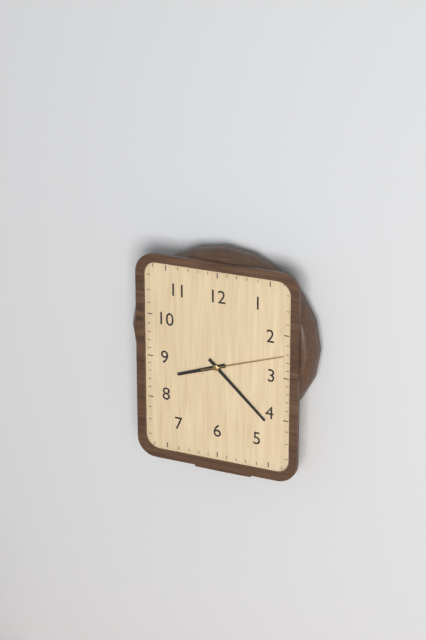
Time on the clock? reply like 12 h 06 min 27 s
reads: 8 h 22 min 12 s
